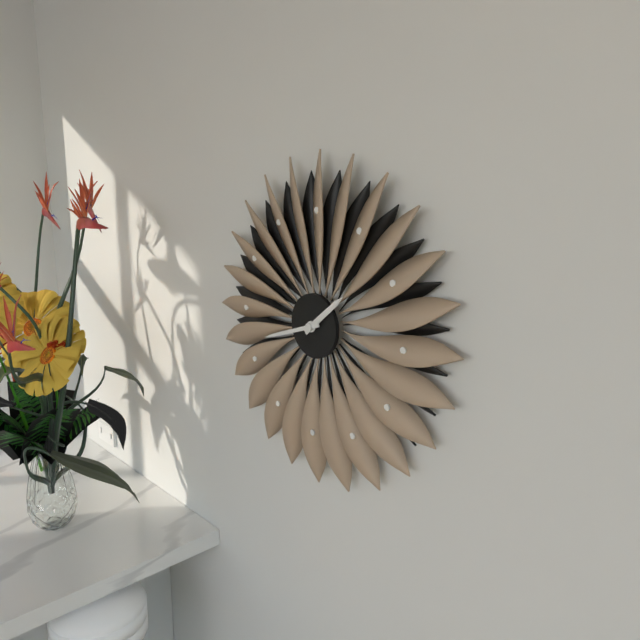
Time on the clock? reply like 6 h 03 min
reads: 1 h 42 min
